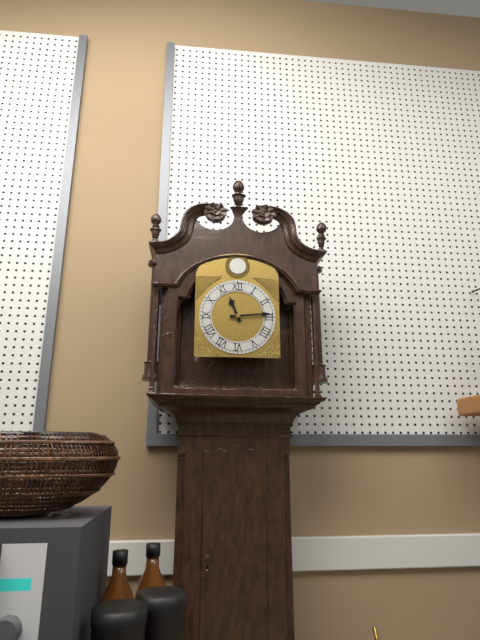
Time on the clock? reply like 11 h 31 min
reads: 11 h 14 min
